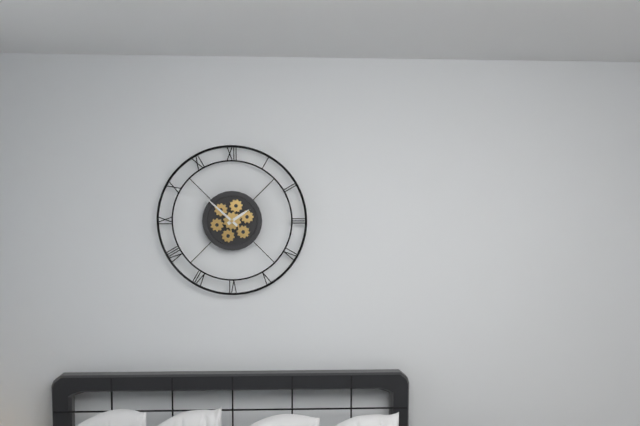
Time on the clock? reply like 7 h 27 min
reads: 1 h 52 min
